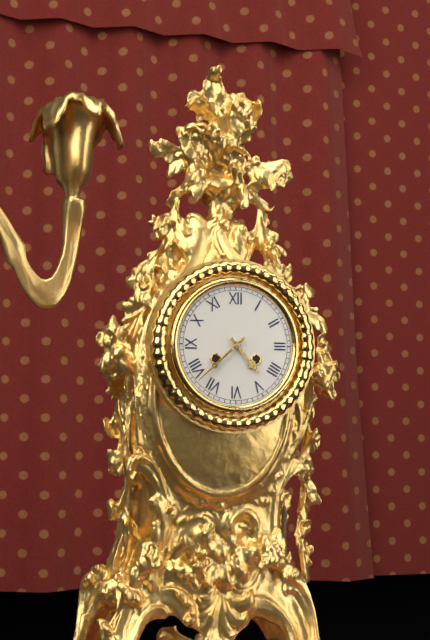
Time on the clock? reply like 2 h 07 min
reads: 4 h 38 min
